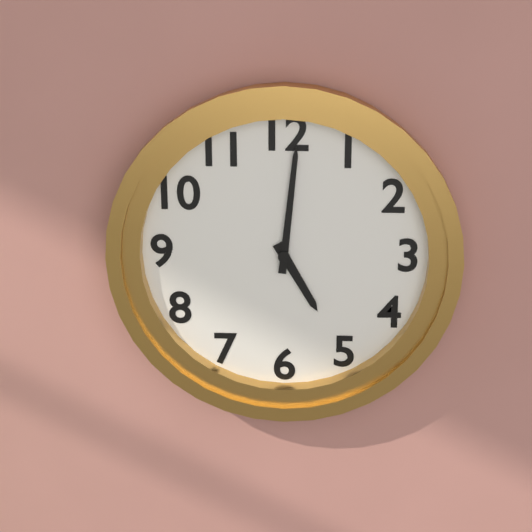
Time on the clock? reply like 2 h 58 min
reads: 5 h 01 min
